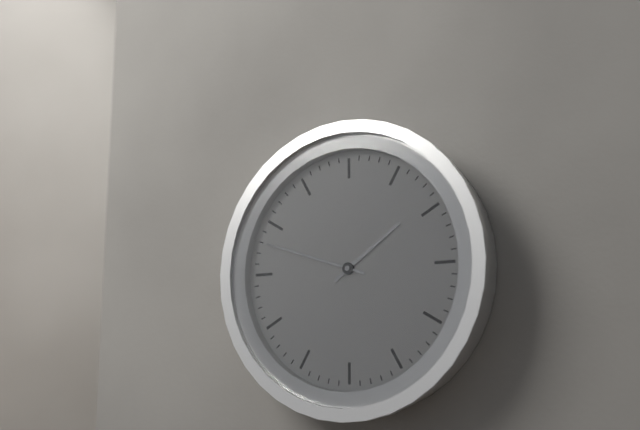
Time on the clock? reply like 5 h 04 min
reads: 1 h 48 min
